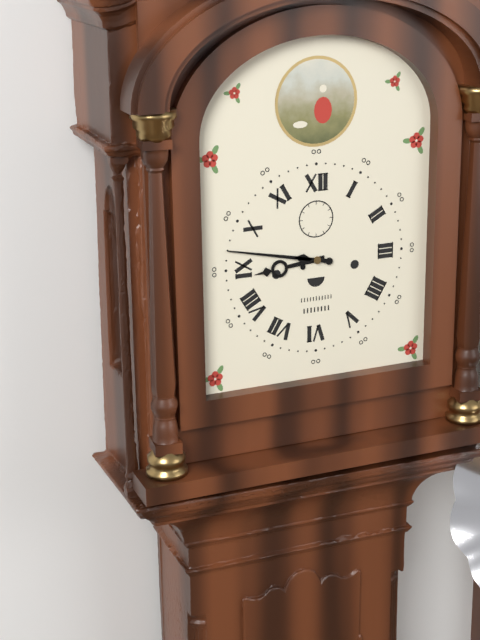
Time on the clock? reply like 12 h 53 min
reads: 8 h 47 min
